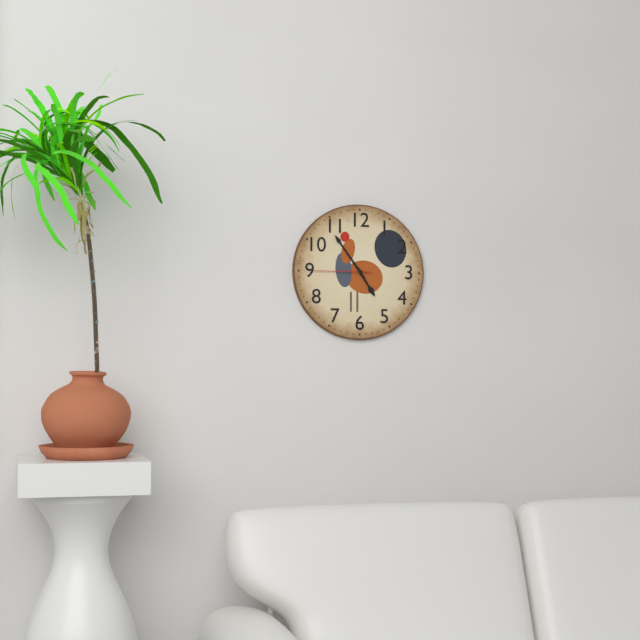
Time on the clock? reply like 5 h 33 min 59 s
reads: 4 h 54 min 45 s
